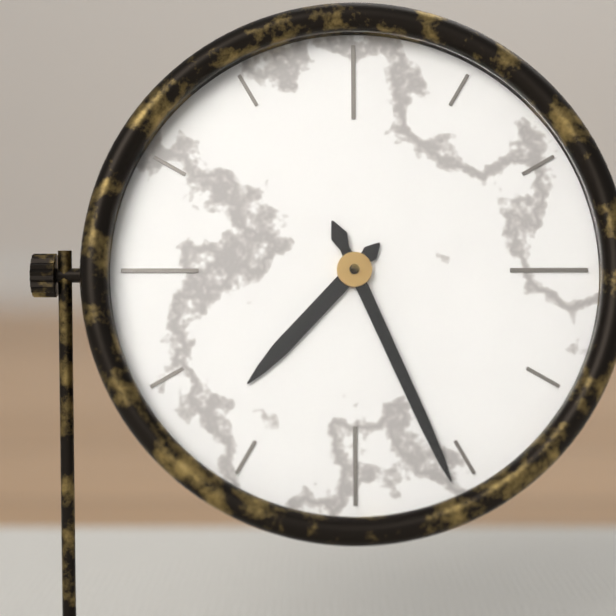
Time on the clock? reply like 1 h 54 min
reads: 7 h 26 min
